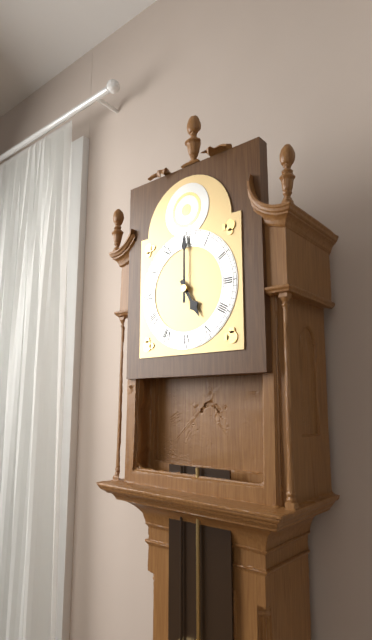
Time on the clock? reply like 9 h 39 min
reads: 5 h 00 min
